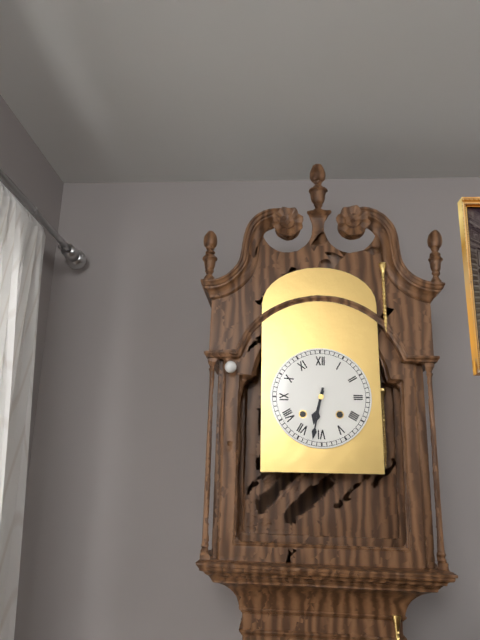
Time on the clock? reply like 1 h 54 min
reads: 6 h 32 min
